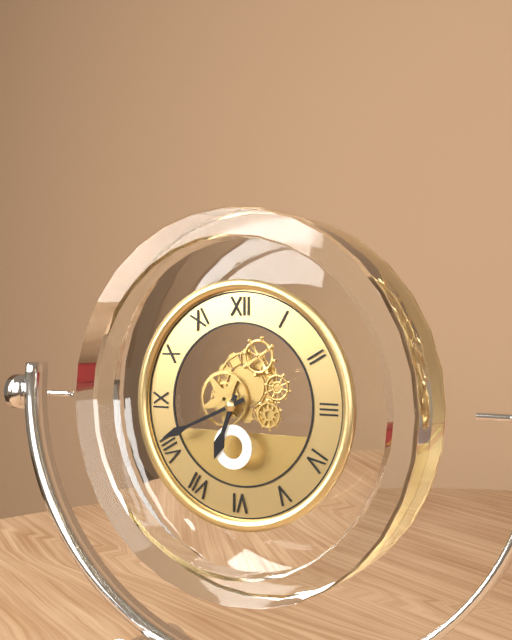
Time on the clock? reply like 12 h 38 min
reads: 6 h 41 min
